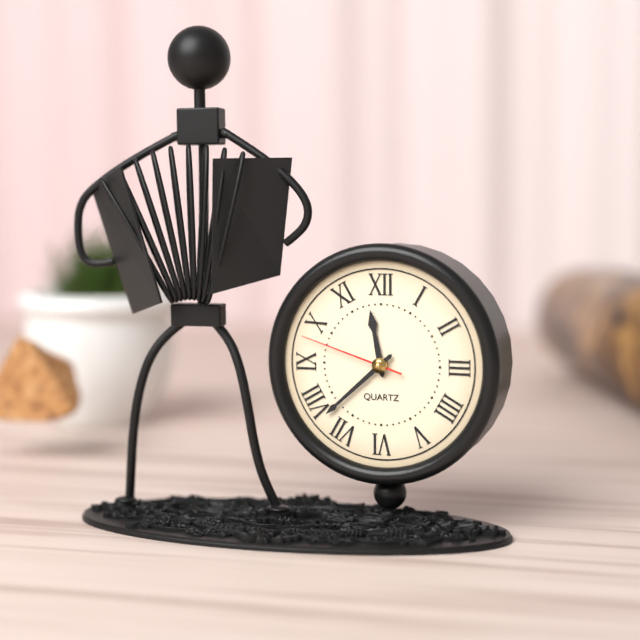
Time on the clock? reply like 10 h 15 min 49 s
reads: 11 h 38 min 48 s
